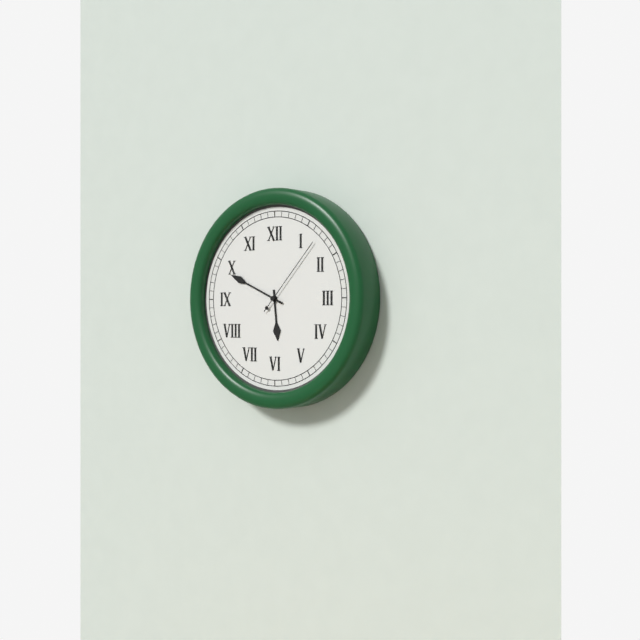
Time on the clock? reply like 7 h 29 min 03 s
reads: 5 h 49 min 07 s
